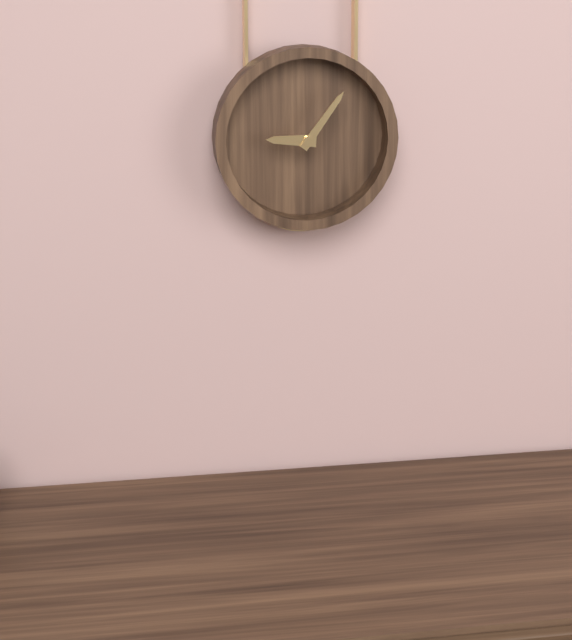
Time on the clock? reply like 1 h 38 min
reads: 9 h 06 min
